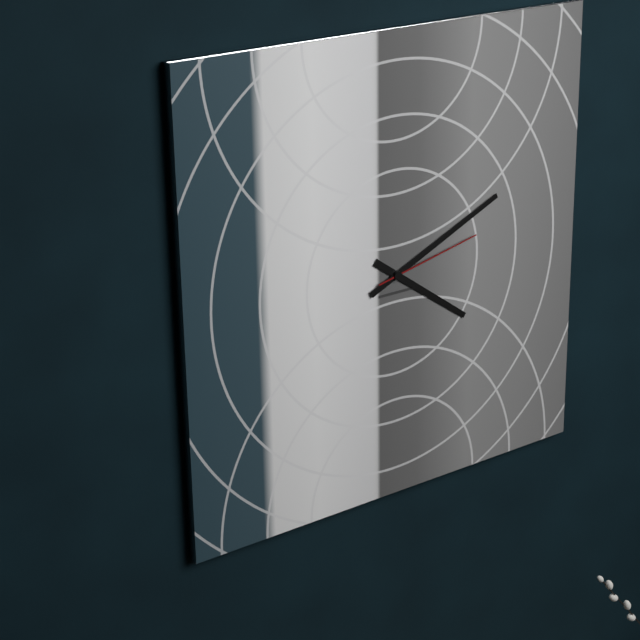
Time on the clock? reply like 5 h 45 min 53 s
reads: 4 h 11 min 13 s
